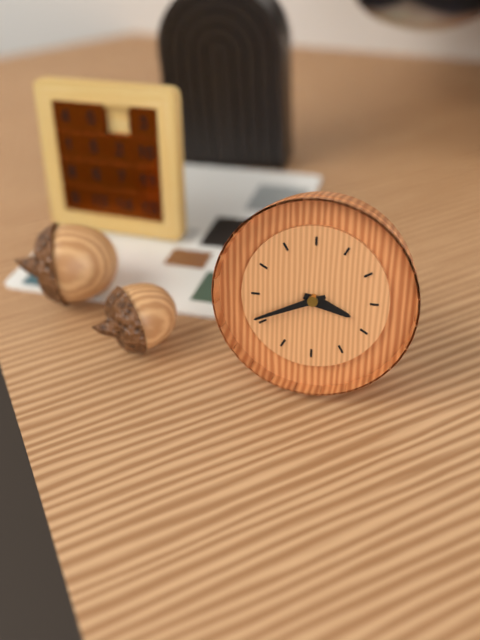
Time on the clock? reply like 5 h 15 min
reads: 3 h 41 min
